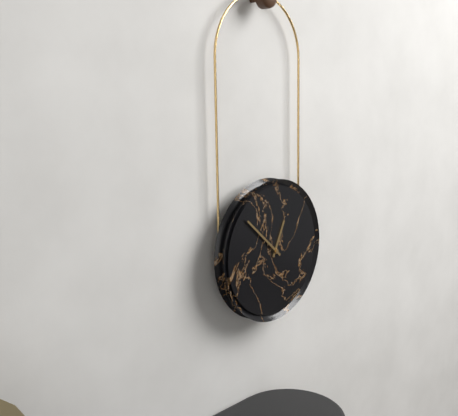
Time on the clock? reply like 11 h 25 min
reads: 12 h 52 min
